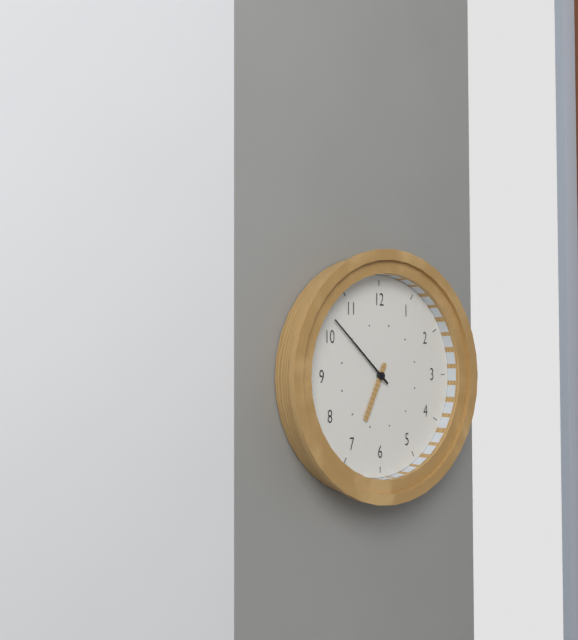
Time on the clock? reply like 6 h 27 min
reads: 6 h 52 min
